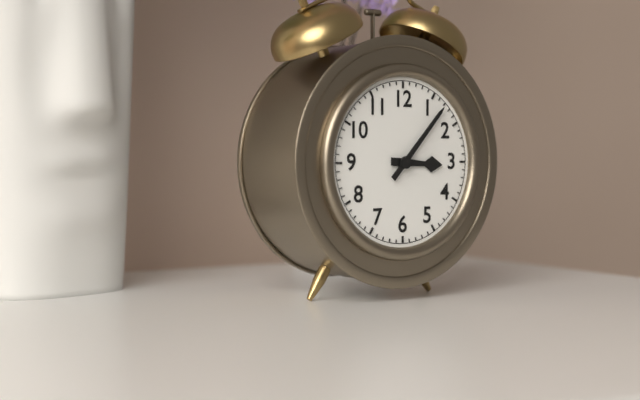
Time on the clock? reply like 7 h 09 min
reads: 3 h 07 min
